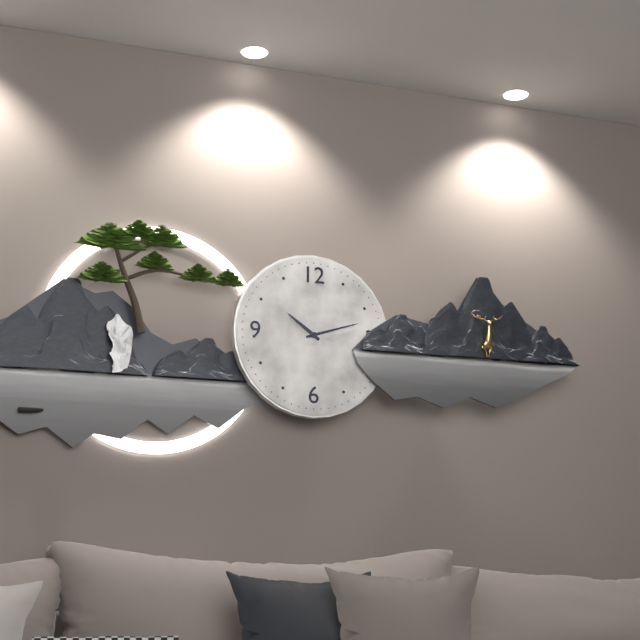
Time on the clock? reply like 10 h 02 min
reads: 10 h 12 min
